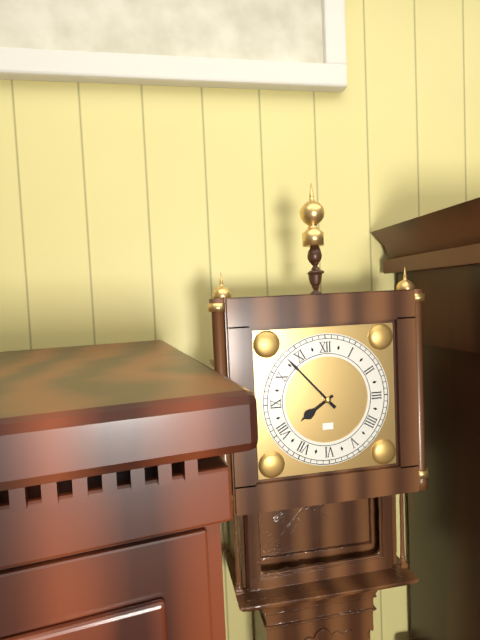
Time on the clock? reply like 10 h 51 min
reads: 7 h 53 min
